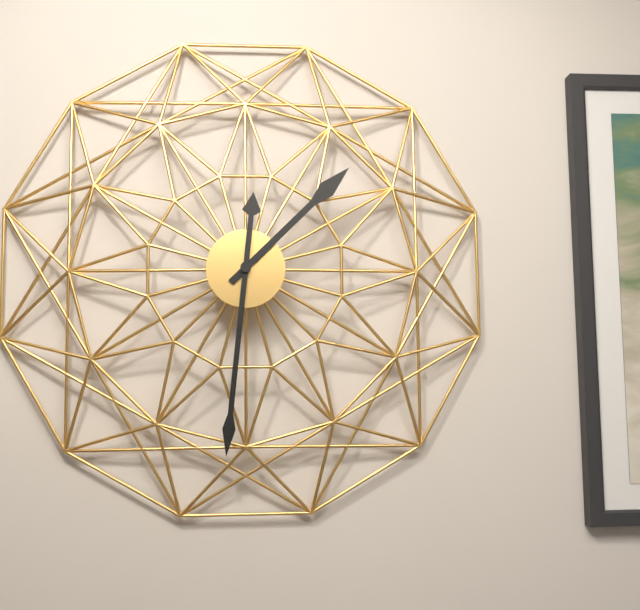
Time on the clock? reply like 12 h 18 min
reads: 1 h 31 min
